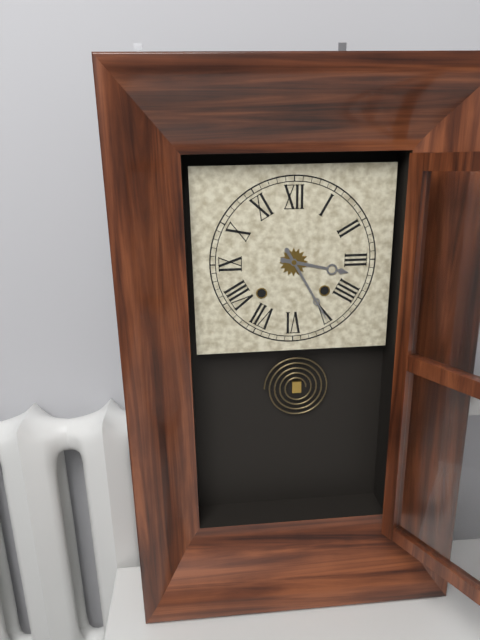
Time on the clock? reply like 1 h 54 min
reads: 3 h 25 min
